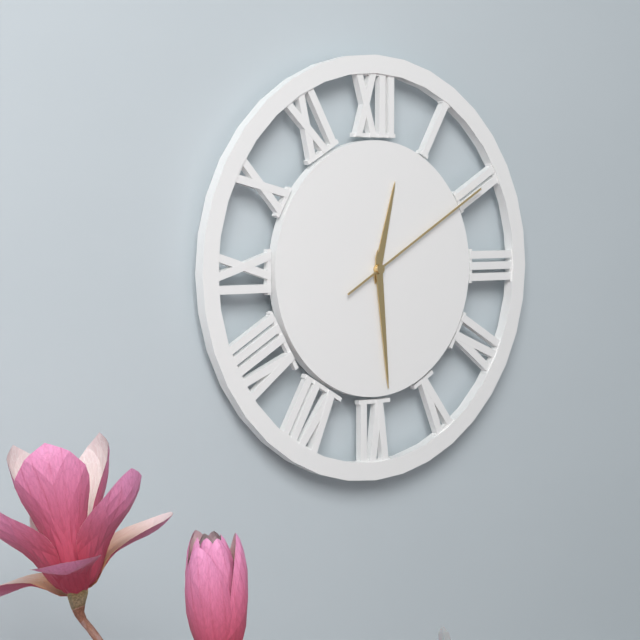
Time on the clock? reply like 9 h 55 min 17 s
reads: 12 h 29 min 10 s
